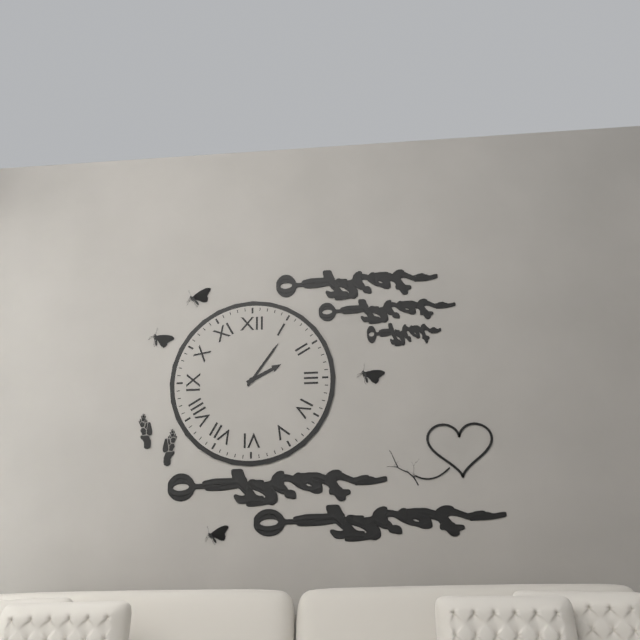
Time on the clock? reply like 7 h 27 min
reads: 2 h 06 min
